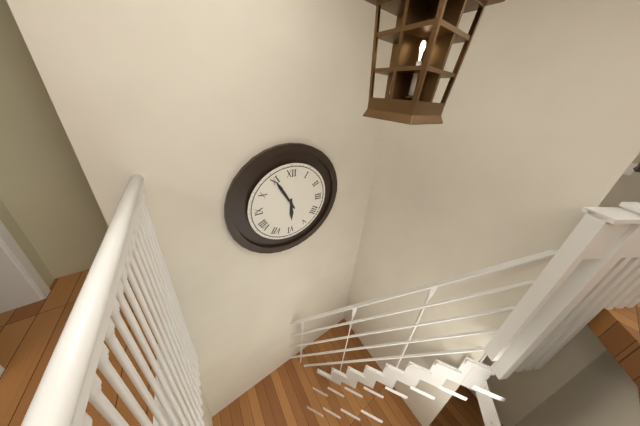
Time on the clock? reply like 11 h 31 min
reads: 5 h 55 min
